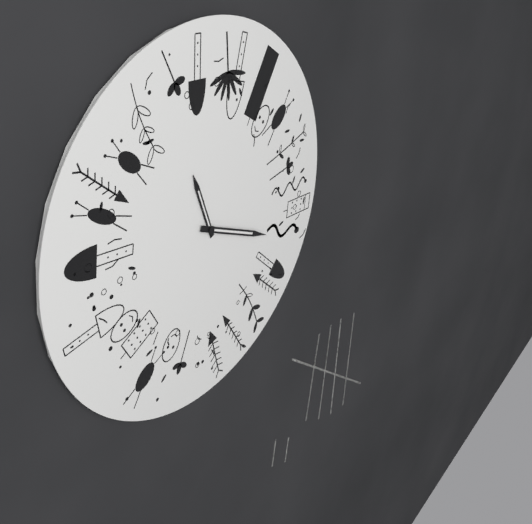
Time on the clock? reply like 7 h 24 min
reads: 11 h 19 min
